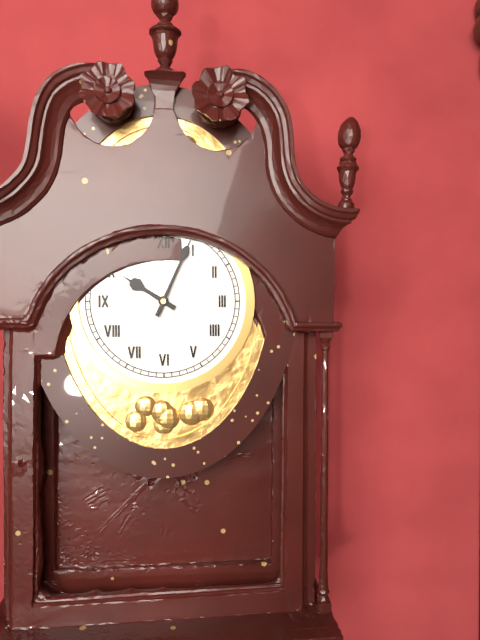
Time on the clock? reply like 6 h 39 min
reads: 10 h 04 min
